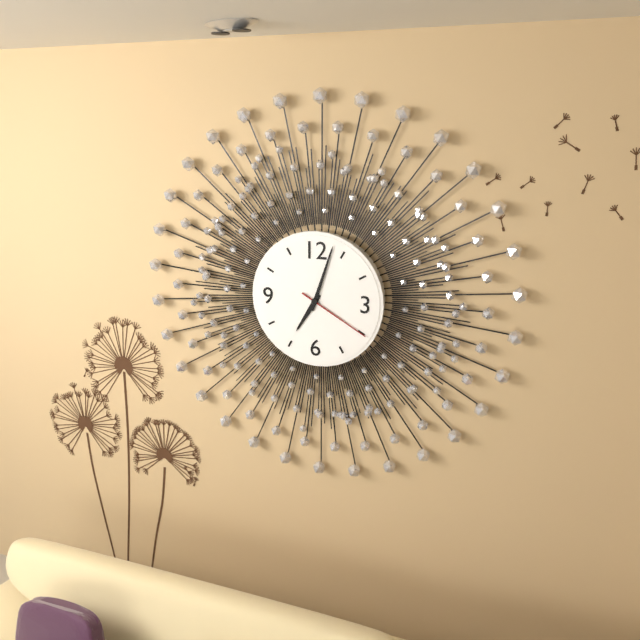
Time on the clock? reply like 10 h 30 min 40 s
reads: 7 h 03 min 20 s
